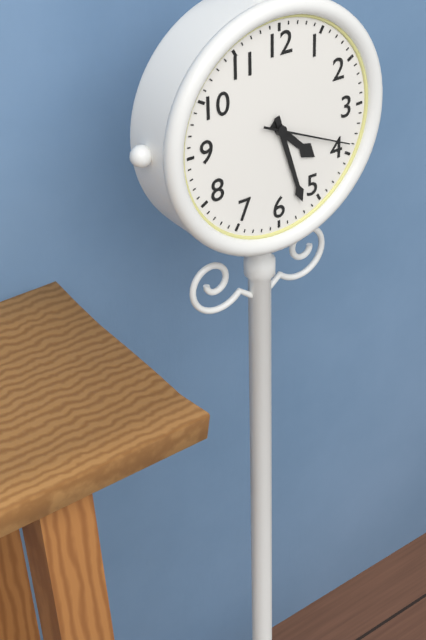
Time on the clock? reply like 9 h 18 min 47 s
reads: 4 h 27 min 19 s
